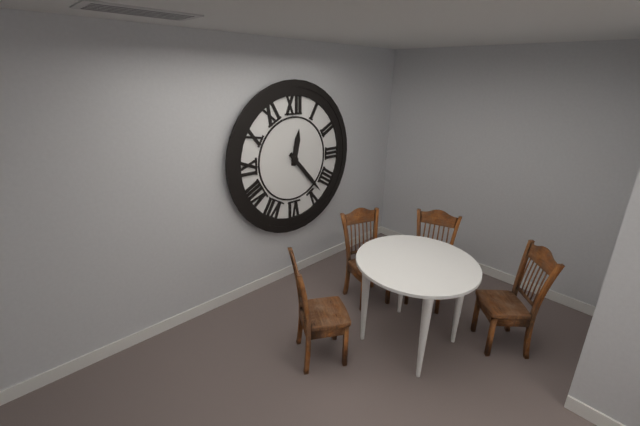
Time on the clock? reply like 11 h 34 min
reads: 12 h 23 min
